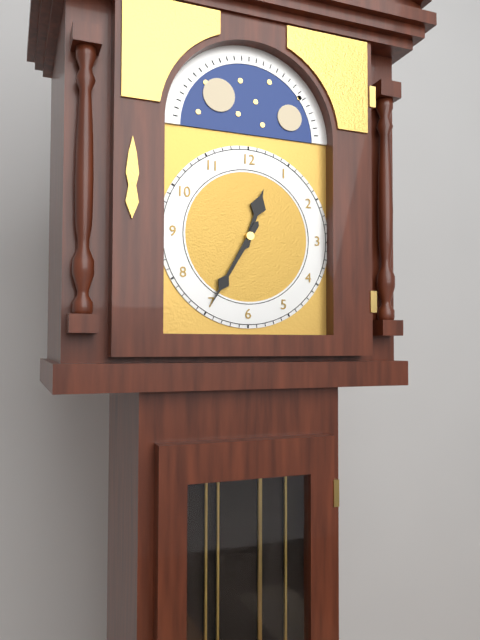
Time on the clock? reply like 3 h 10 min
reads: 12 h 35 min
